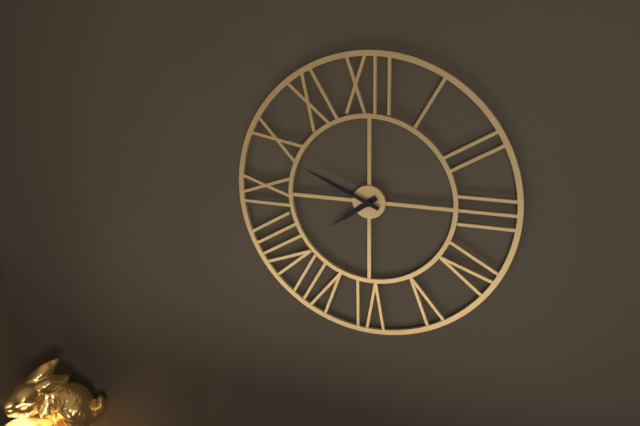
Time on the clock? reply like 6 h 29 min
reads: 7 h 49 min
